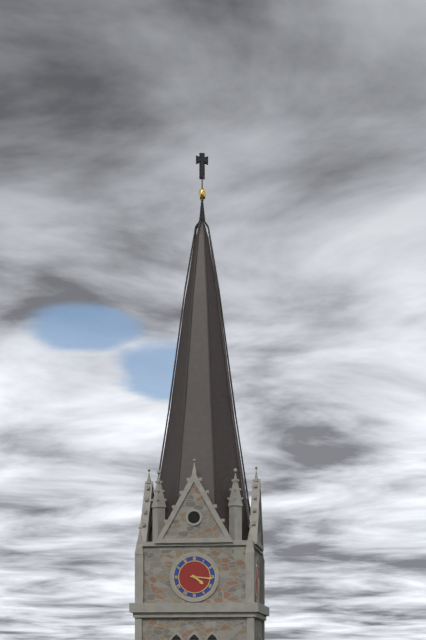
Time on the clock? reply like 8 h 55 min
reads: 4 h 16 min
